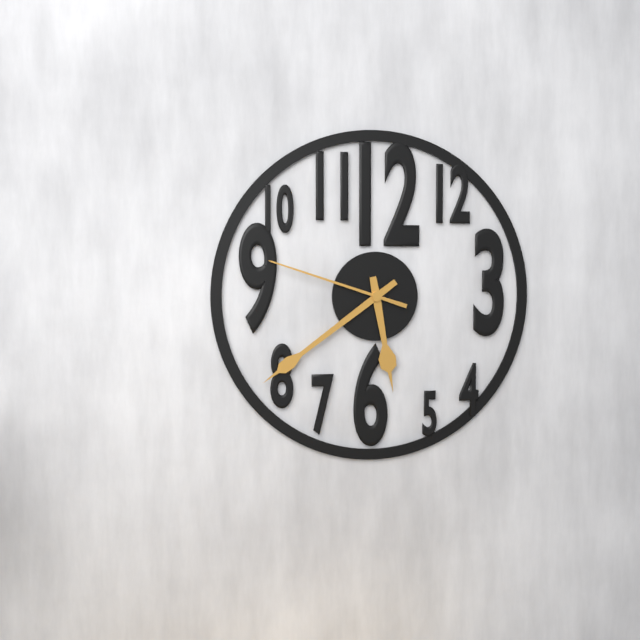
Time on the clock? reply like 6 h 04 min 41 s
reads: 5 h 39 min 48 s
